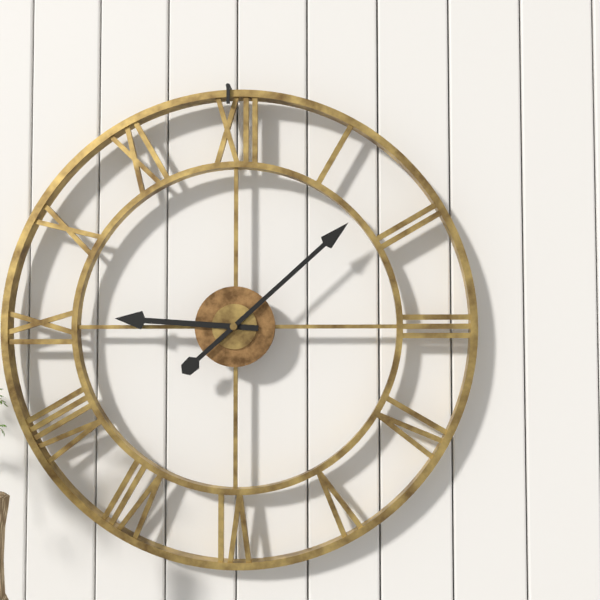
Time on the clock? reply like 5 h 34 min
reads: 9 h 08 min
